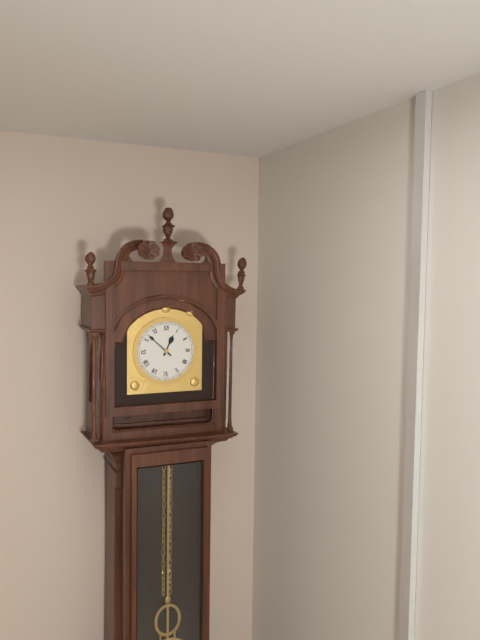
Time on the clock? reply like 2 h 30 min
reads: 12 h 52 min
